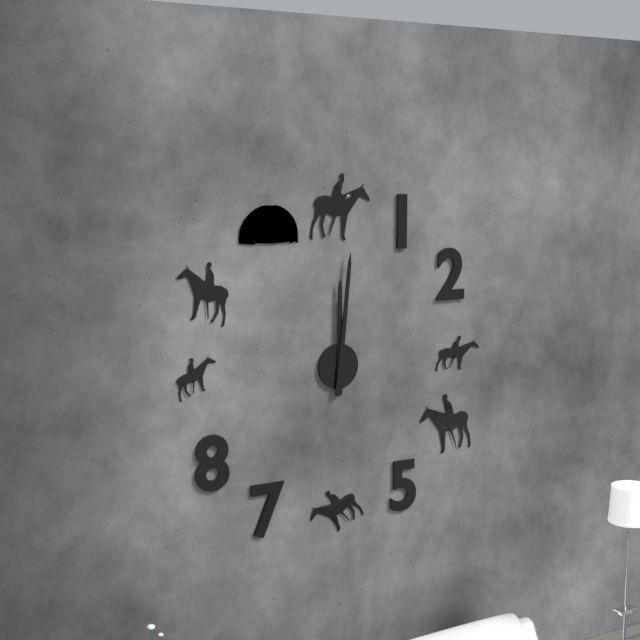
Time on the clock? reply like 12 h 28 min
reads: 12 h 01 min
